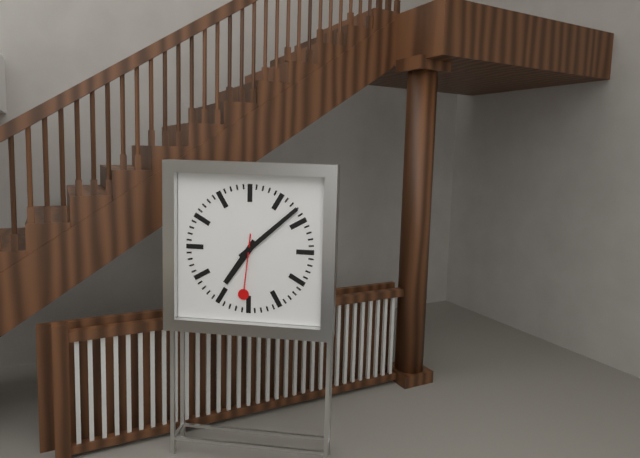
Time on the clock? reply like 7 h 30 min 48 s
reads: 7 h 08 min 31 s
